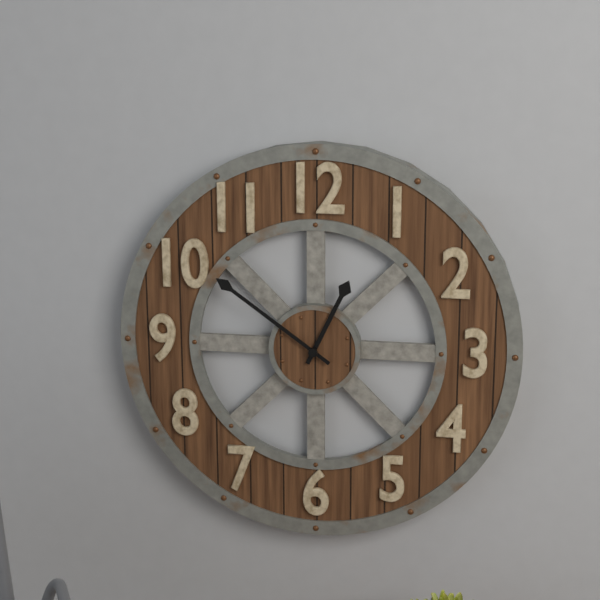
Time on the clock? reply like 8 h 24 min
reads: 12 h 51 min
